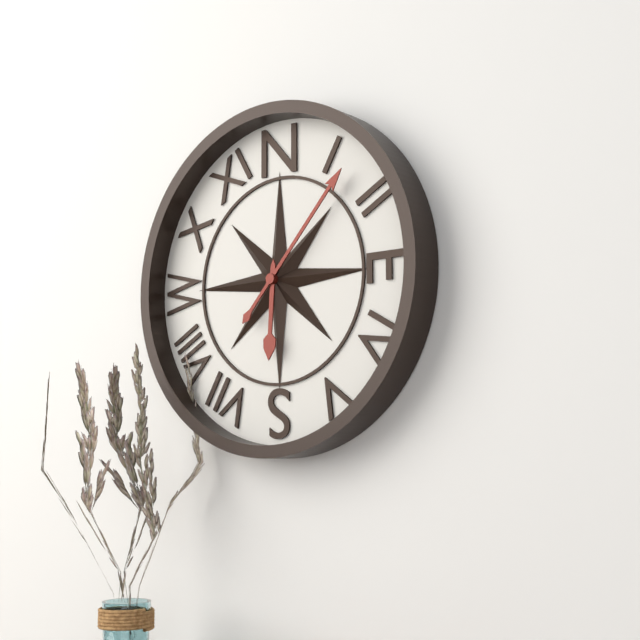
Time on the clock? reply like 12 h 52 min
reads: 6 h 07 min
